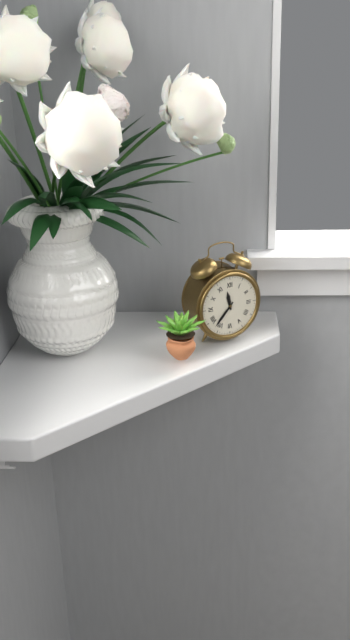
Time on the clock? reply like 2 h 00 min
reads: 11 h 37 min
